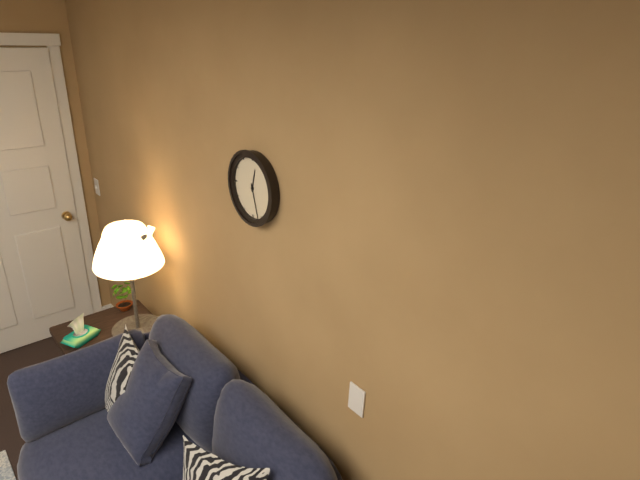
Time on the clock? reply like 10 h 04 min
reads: 12 h 27 min
